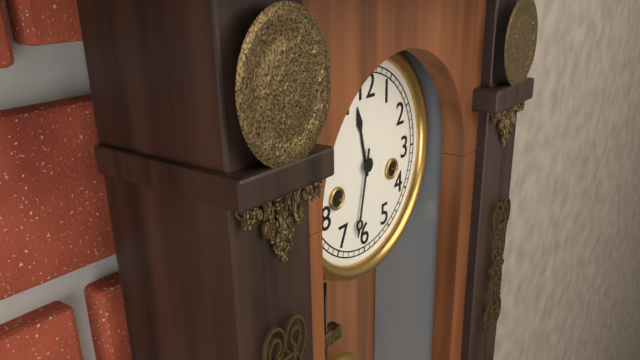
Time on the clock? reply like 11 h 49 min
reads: 11 h 32 min
